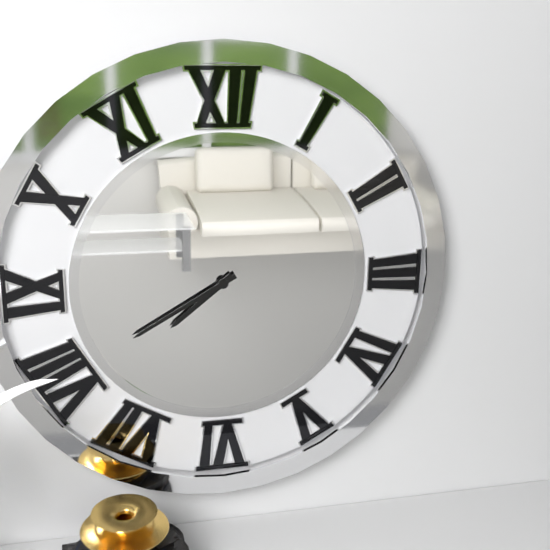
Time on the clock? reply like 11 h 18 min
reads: 7 h 40 min
